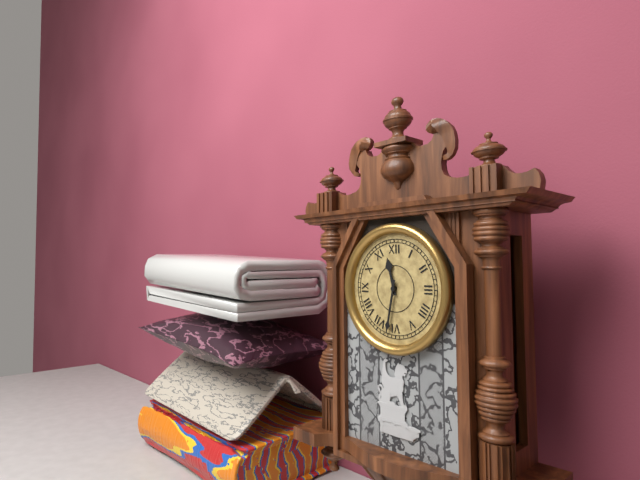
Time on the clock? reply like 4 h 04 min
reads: 11 h 32 min
